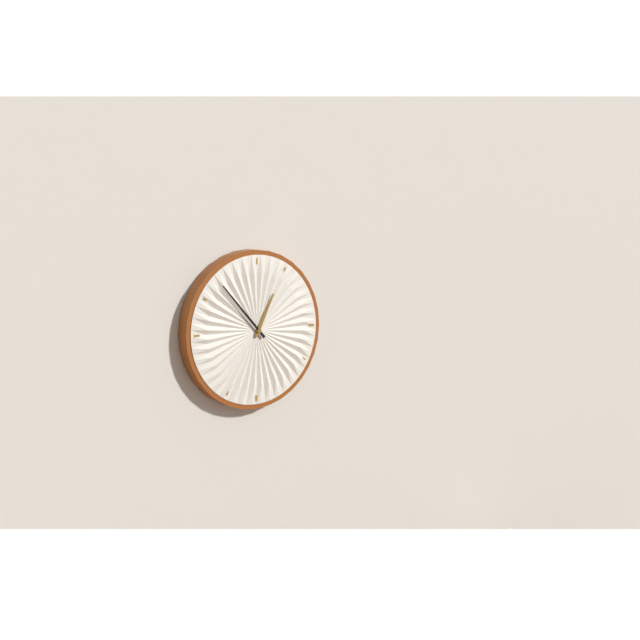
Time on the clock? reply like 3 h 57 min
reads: 12 h 53 min
